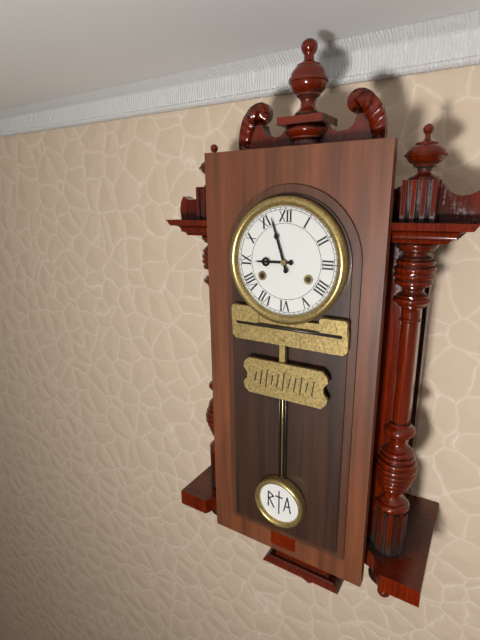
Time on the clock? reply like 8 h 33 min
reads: 8 h 57 min
